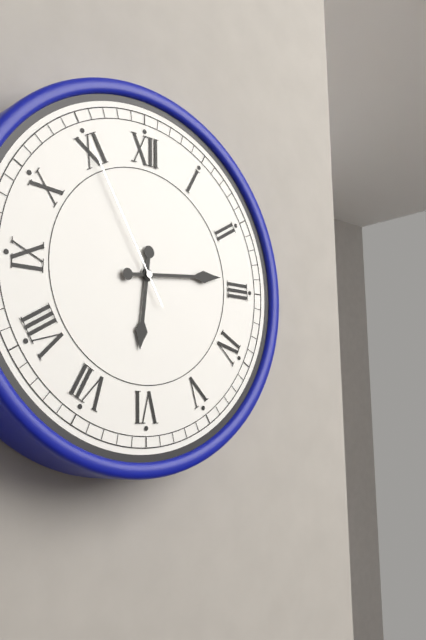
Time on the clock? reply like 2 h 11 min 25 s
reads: 6 h 14 min 55 s
